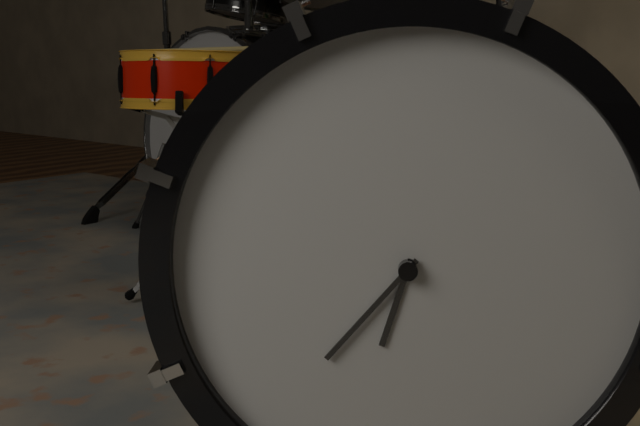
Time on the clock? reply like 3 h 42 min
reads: 6 h 37 min
